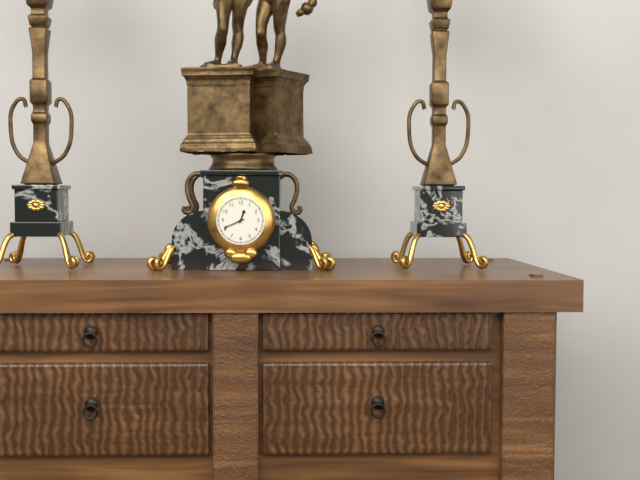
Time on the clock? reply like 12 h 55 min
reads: 12 h 41 min
